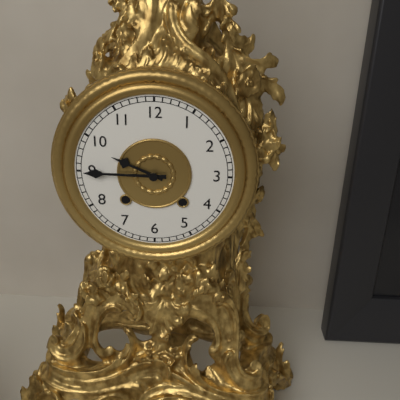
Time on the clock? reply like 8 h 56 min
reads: 9 h 45 min
